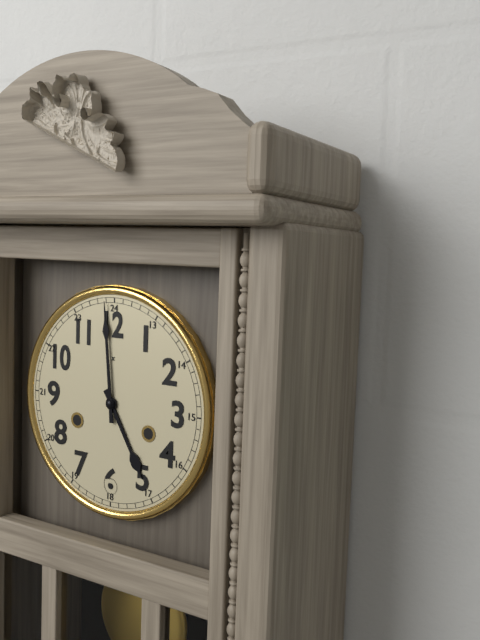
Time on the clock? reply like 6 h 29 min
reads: 4 h 59 min
